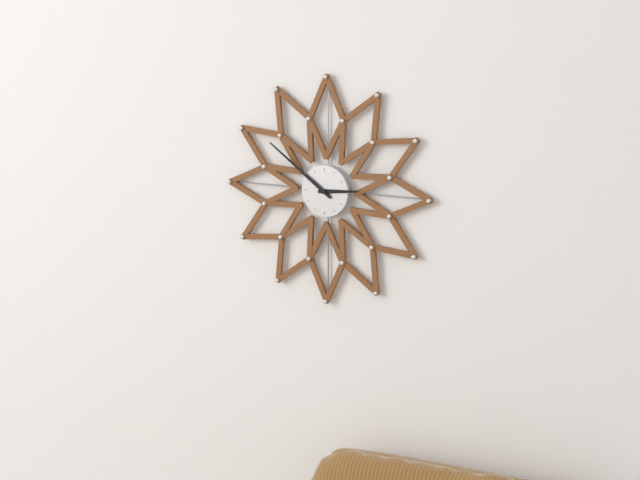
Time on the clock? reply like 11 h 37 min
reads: 2 h 51 min
